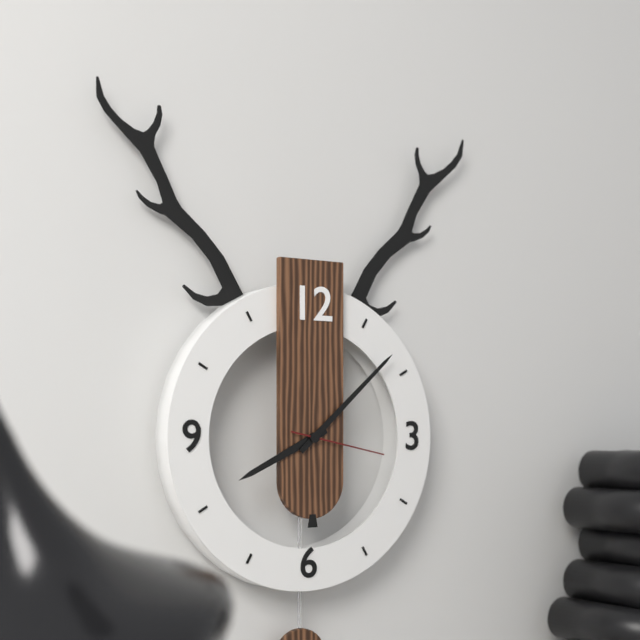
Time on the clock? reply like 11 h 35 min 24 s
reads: 8 h 08 min 17 s
